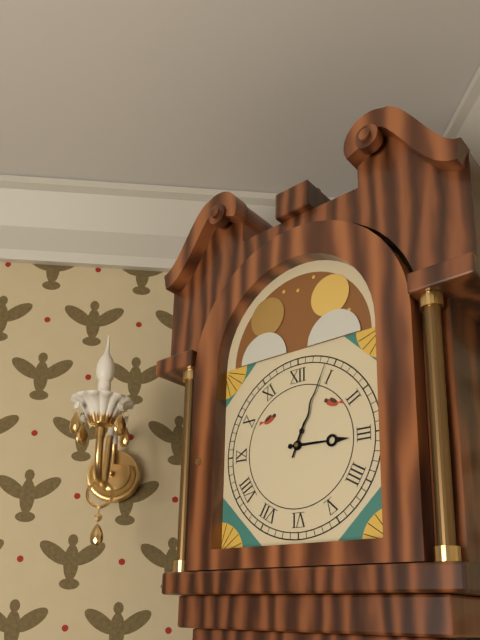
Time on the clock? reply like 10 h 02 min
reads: 3 h 04 min
